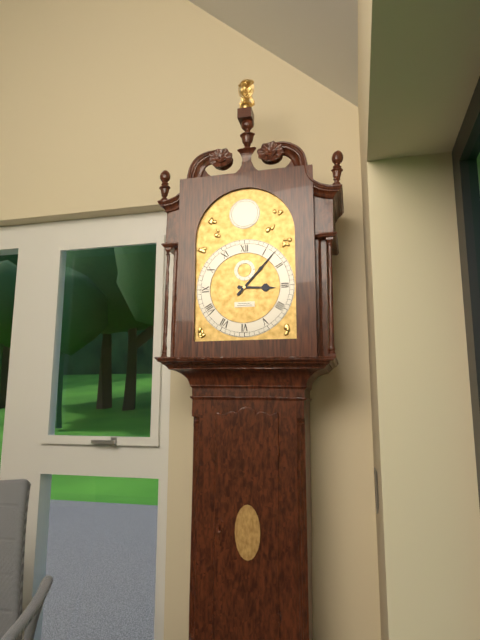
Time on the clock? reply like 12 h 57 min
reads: 3 h 07 min
